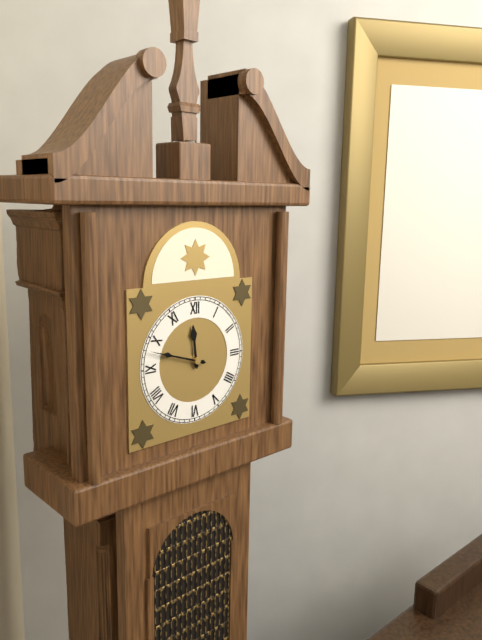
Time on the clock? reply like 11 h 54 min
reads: 11 h 48 min
